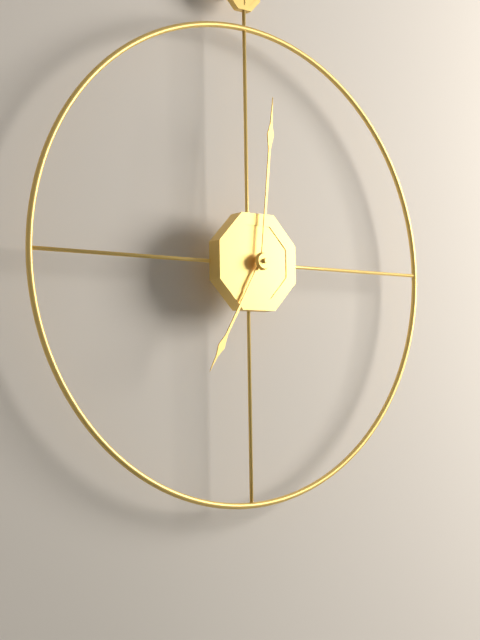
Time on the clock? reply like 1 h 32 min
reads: 7 h 01 min
